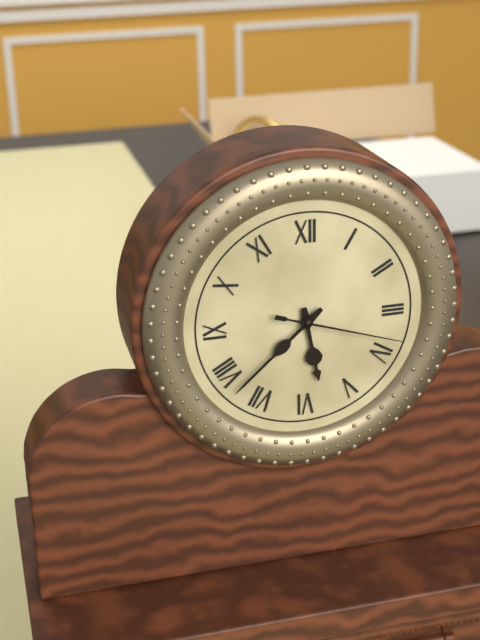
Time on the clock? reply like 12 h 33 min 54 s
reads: 5 h 38 min 18 s
